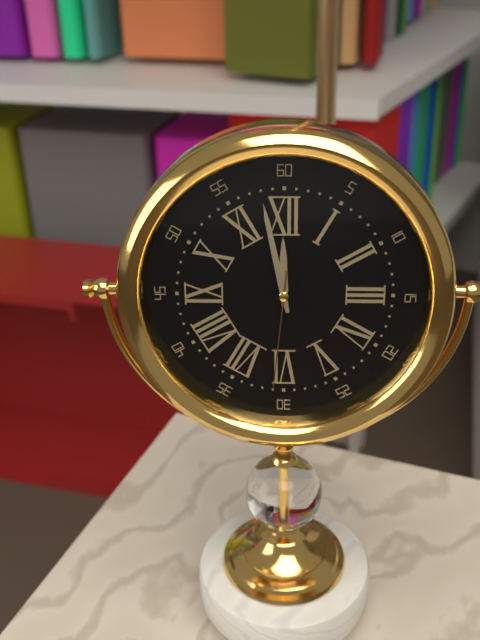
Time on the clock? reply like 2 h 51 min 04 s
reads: 11 h 58 min 31 s
